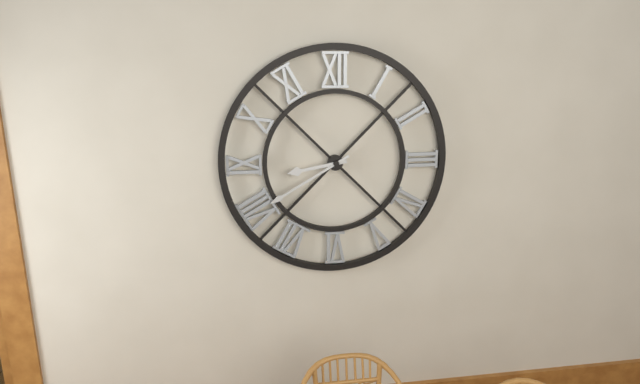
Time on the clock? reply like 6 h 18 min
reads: 8 h 40 min
